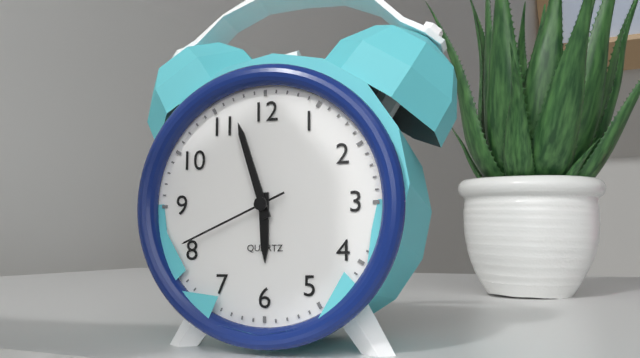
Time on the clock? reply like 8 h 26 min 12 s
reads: 5 h 57 min 41 s
